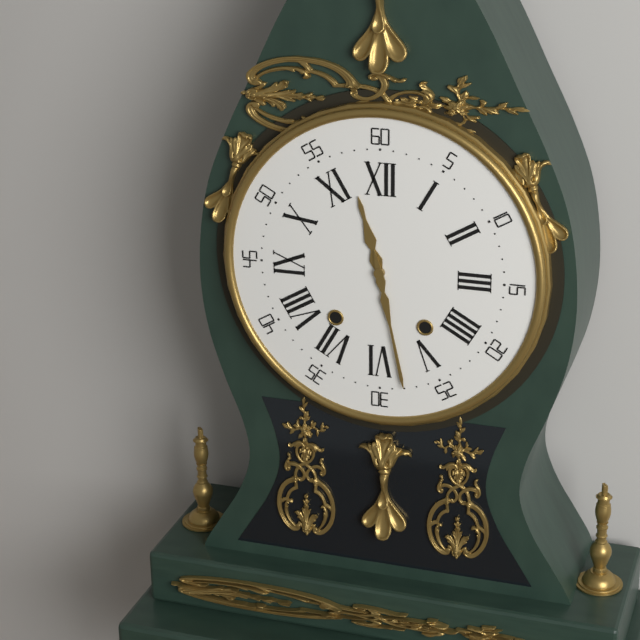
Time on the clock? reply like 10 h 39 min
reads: 11 h 28 min
